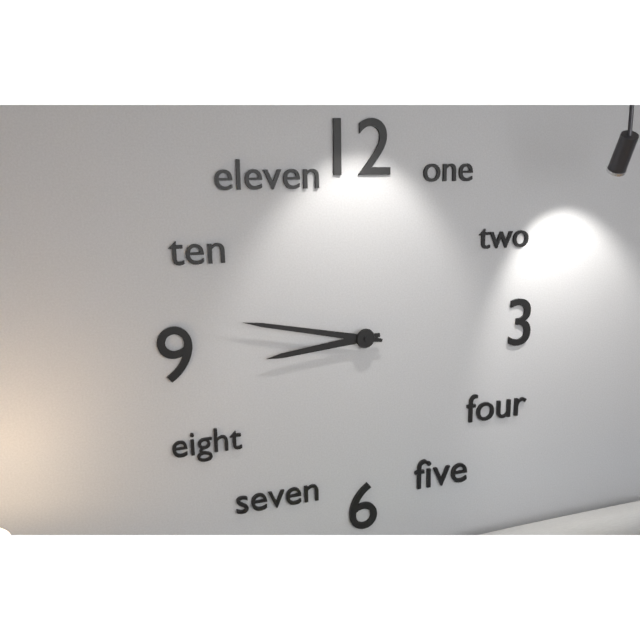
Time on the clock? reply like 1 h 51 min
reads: 8 h 47 min
